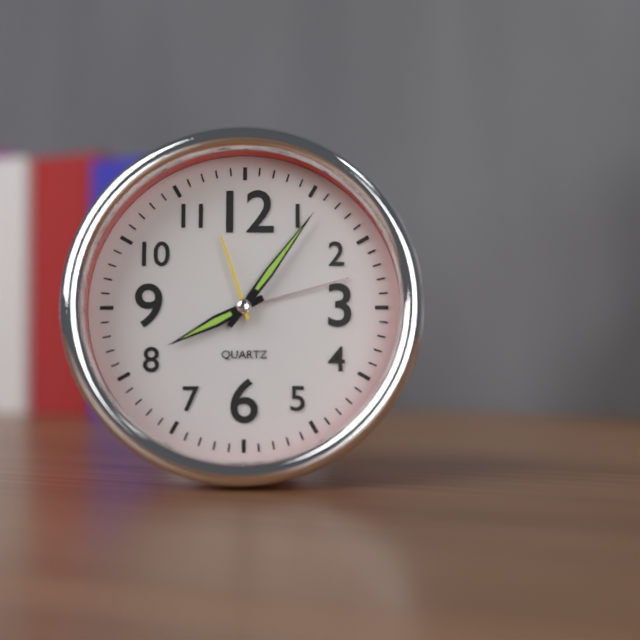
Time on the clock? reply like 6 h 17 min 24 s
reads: 8 h 06 min 57 s
